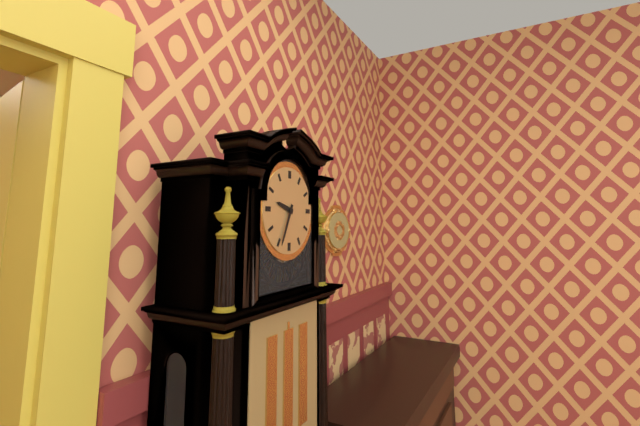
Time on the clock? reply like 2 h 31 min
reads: 9 h 34 min
